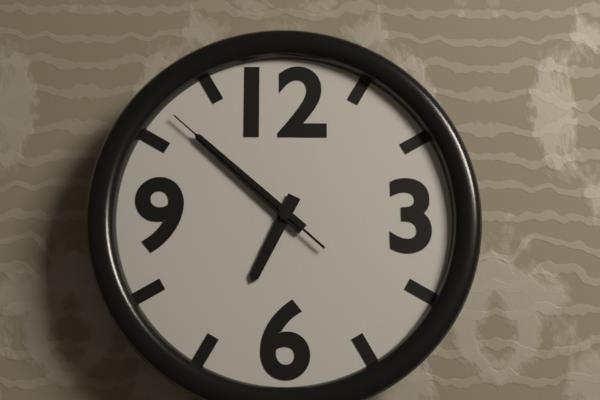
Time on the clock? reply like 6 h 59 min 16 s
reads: 6 h 52 min 52 s
